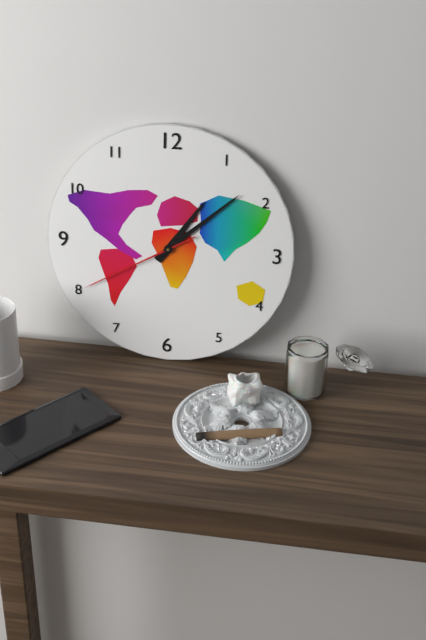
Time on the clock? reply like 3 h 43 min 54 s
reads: 1 h 08 min 40 s
